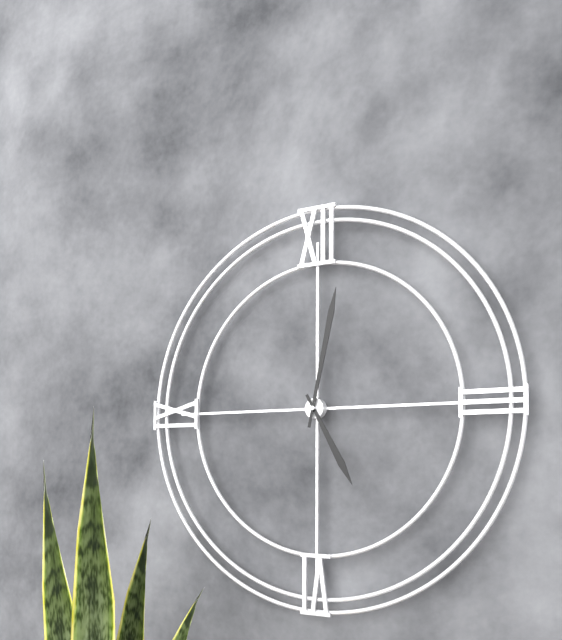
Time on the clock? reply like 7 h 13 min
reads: 5 h 02 min
